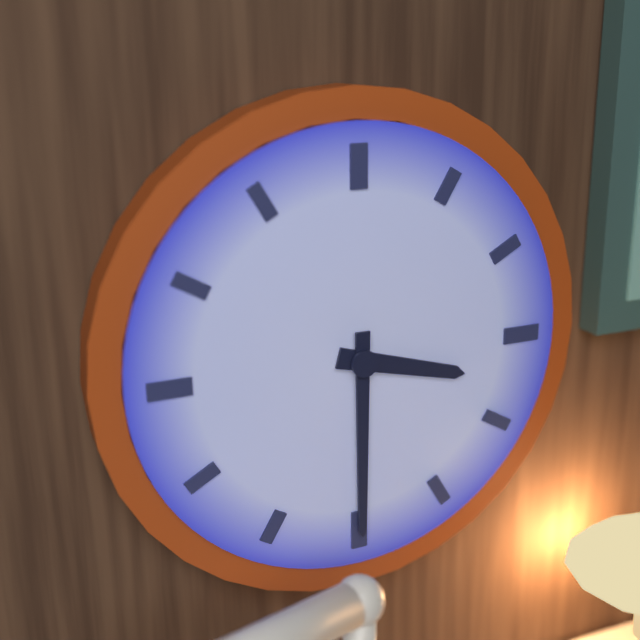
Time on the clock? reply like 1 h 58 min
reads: 3 h 30 min
